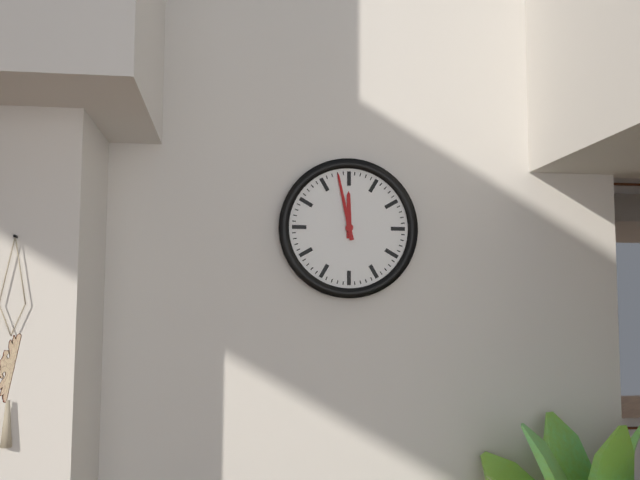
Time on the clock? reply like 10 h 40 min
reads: 11 h 58 min
